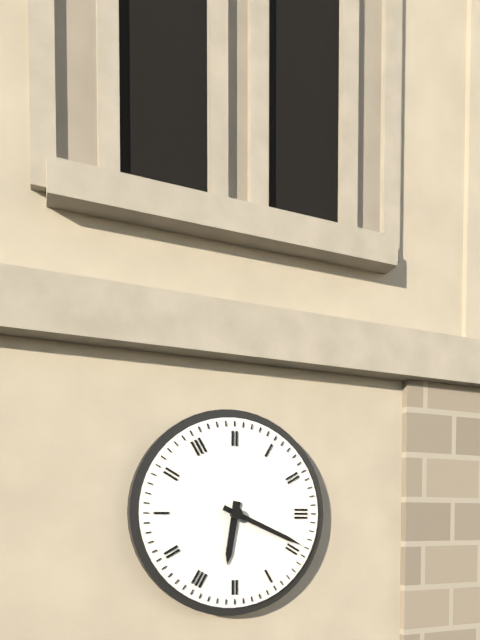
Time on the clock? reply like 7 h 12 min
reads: 6 h 19 min
